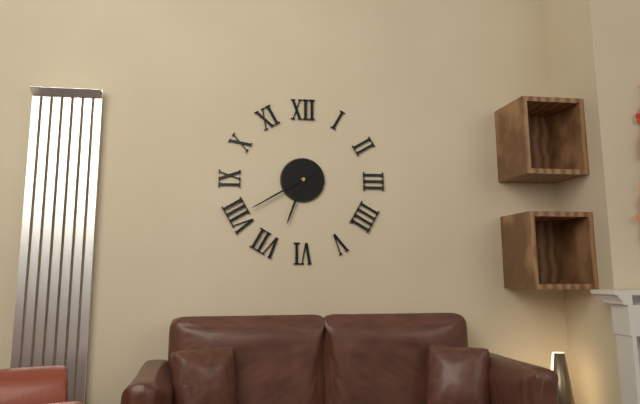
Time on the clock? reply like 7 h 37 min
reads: 6 h 40 min
